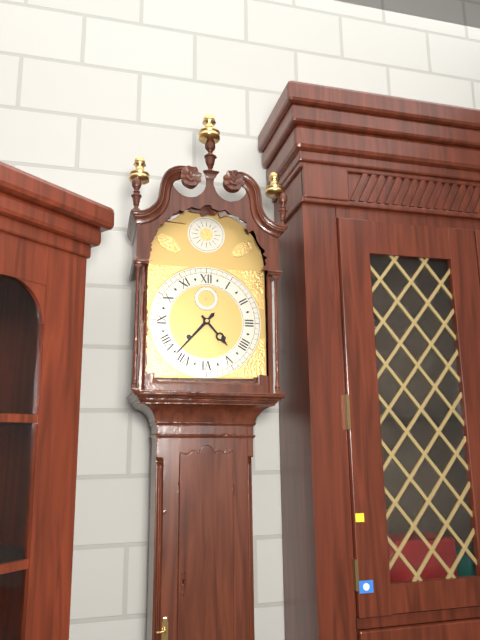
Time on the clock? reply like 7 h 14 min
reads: 4 h 37 min
